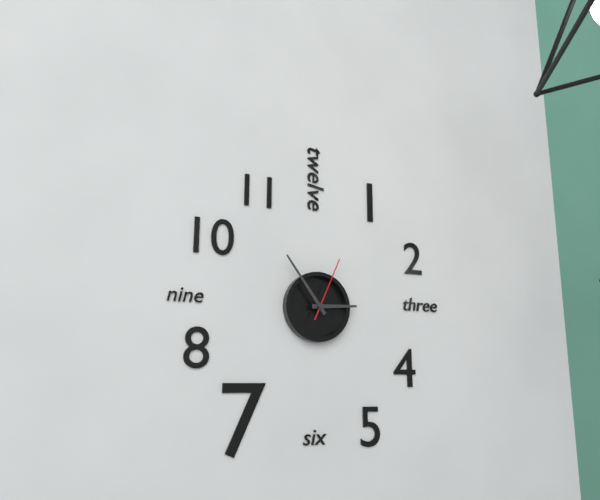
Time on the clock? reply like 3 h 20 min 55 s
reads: 2 h 54 min 04 s
